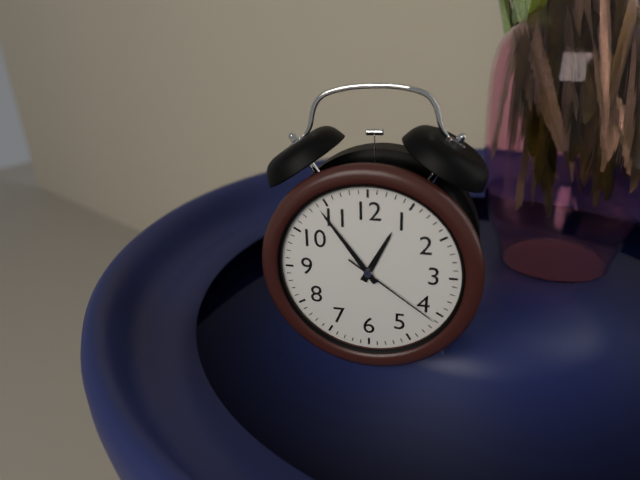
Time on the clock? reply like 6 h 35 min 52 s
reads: 12 h 54 min 21 s
